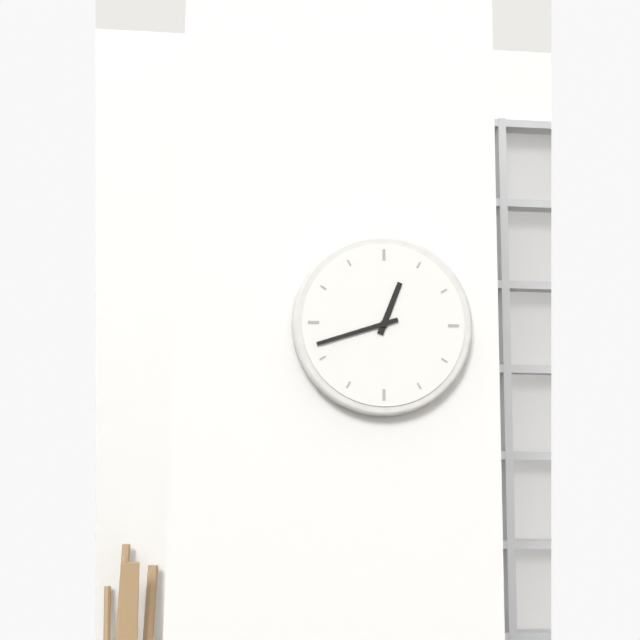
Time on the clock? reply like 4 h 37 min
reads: 12 h 42 min
